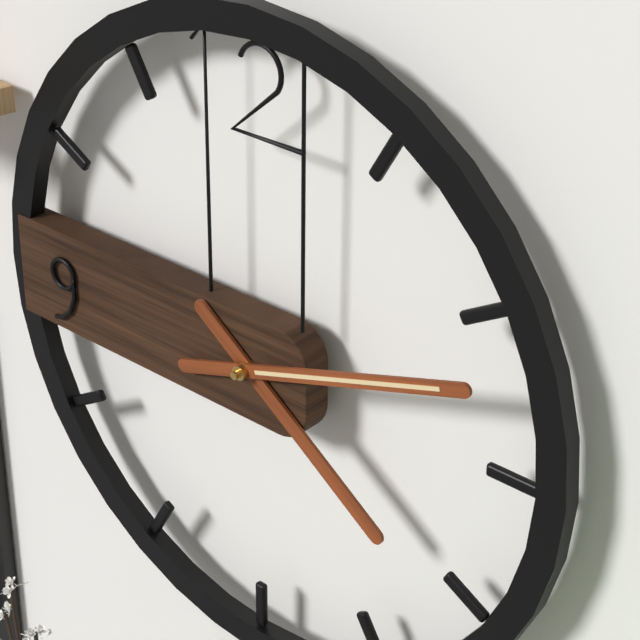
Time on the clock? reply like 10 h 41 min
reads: 4 h 12 min
